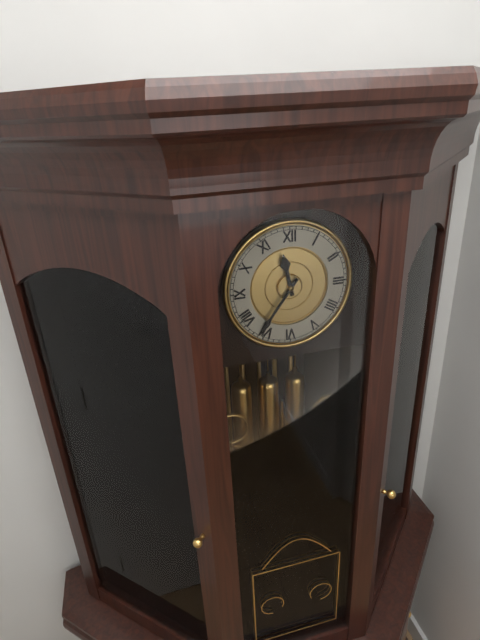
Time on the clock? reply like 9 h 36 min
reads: 11 h 36 min
